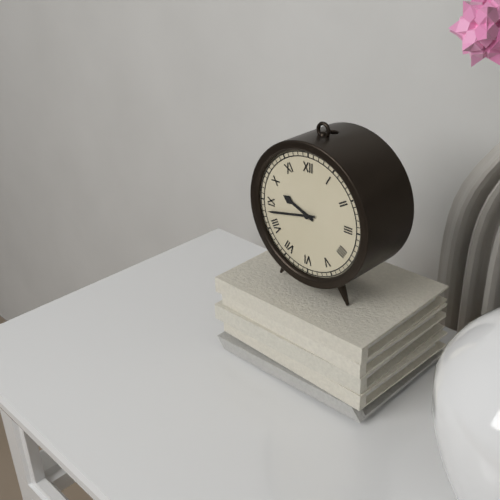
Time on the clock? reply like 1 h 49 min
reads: 9 h 43 min
